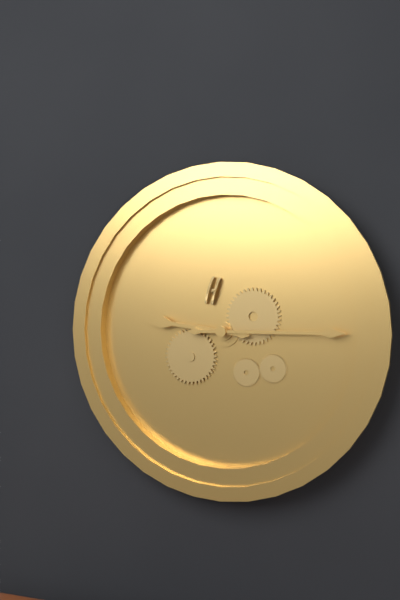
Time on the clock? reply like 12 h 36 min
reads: 9 h 15 min
